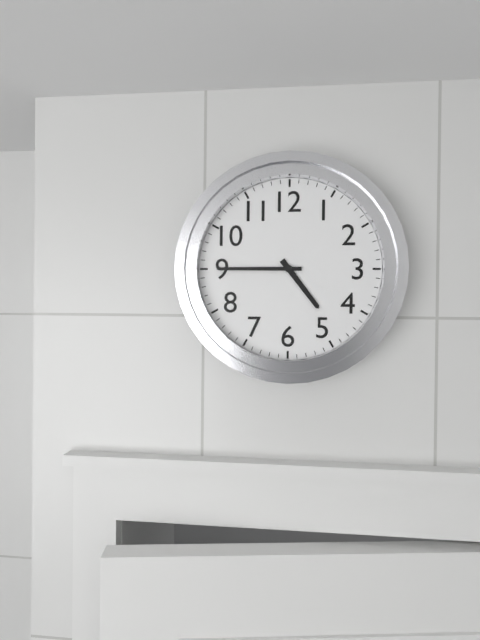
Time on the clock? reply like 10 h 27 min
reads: 4 h 45 min
